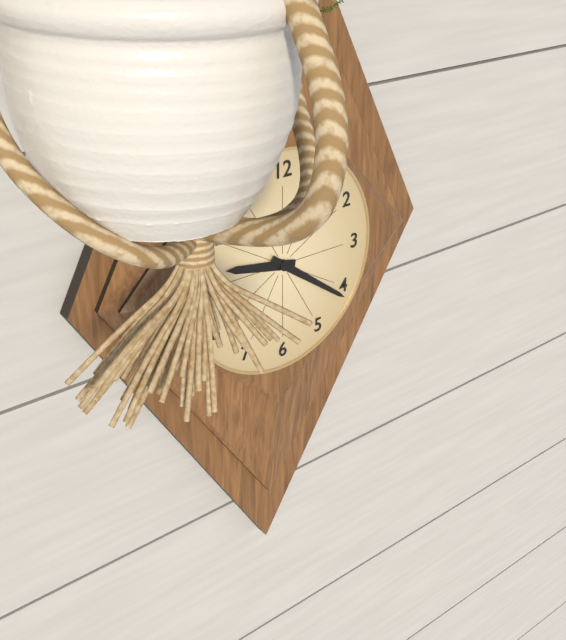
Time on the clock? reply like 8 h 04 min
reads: 9 h 21 min
